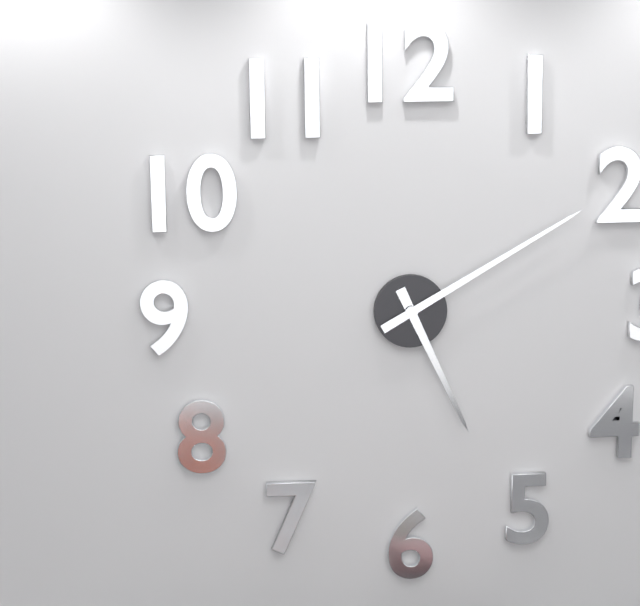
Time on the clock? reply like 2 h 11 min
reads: 5 h 10 min
